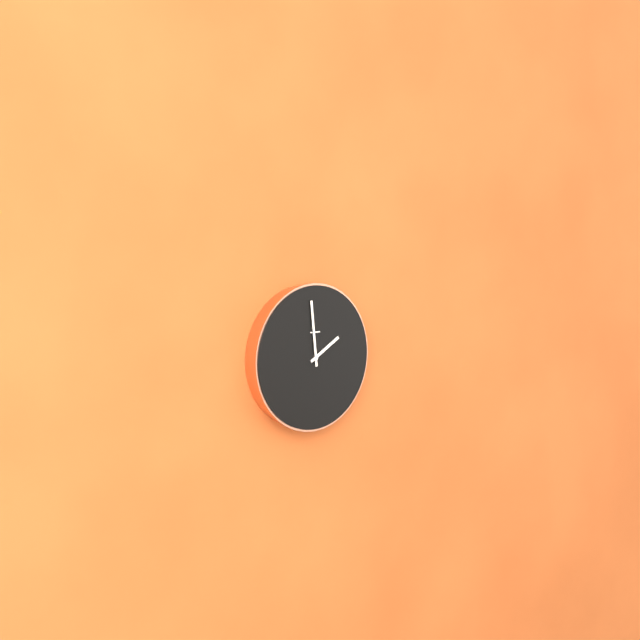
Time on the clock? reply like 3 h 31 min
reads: 1 h 59 min
